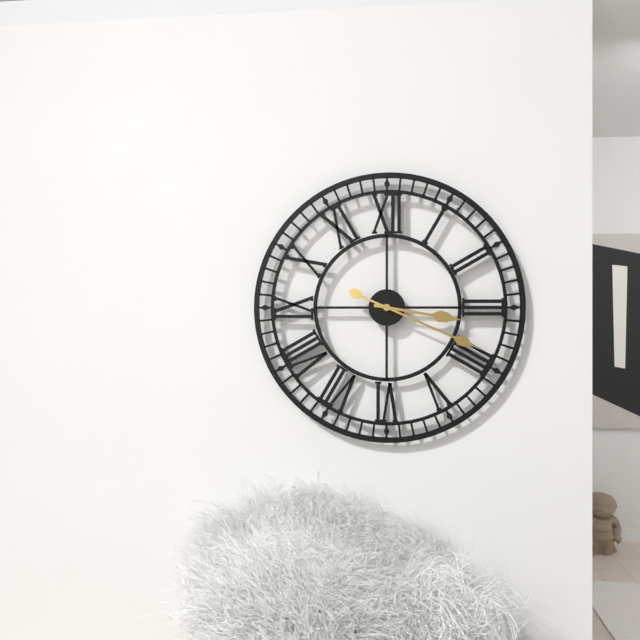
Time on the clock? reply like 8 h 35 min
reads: 3 h 19 min
